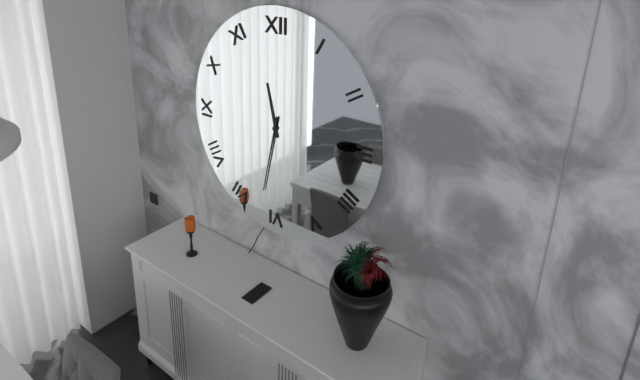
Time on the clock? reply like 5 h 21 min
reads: 11 h 32 min
